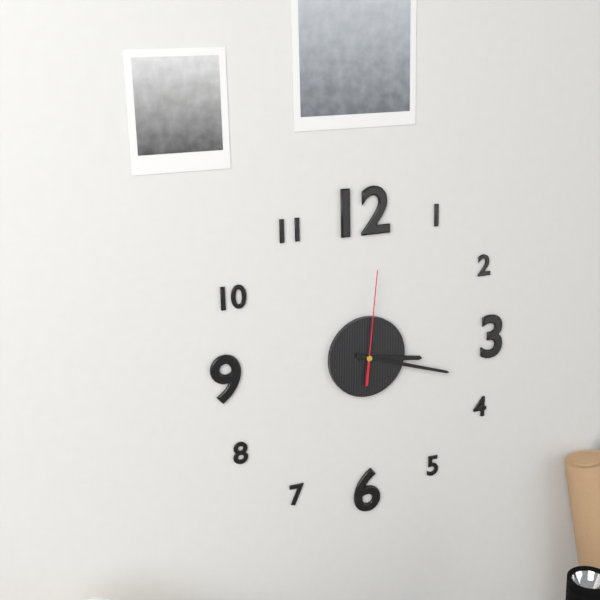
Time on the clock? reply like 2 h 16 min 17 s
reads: 3 h 18 min 01 s
